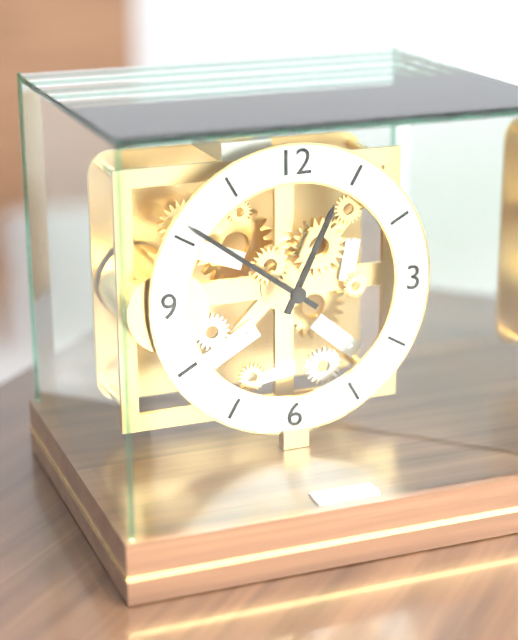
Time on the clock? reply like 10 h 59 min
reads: 12 h 51 min
